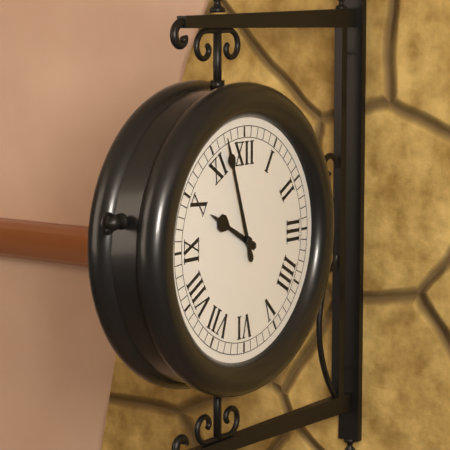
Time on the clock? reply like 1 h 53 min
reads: 9 h 57 min
